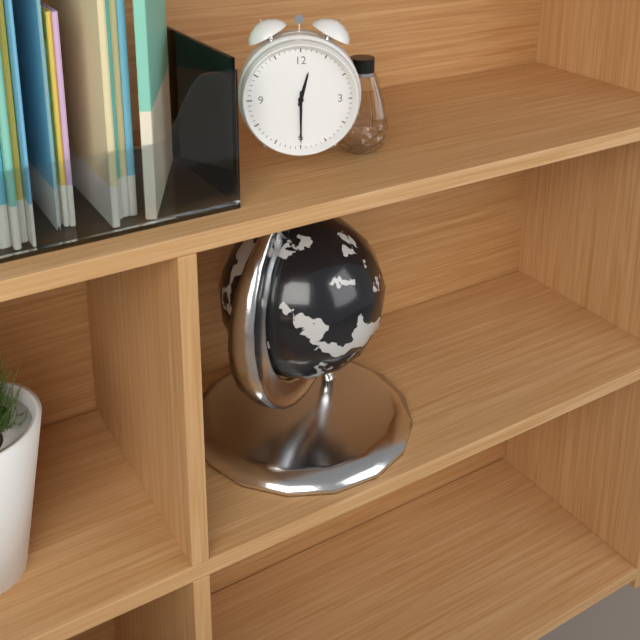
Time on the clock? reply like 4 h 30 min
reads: 12 h 30 min
